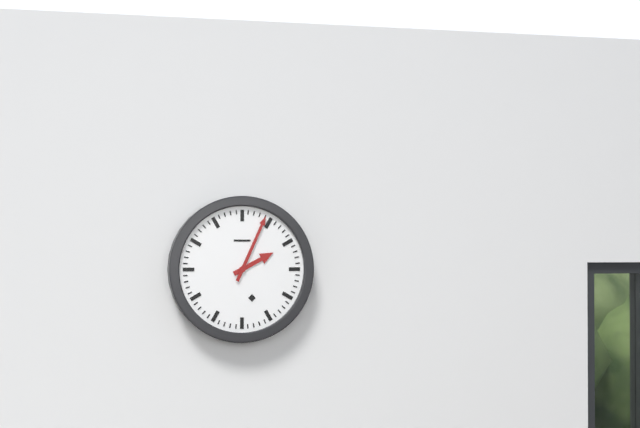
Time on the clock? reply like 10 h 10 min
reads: 2 h 04 min
